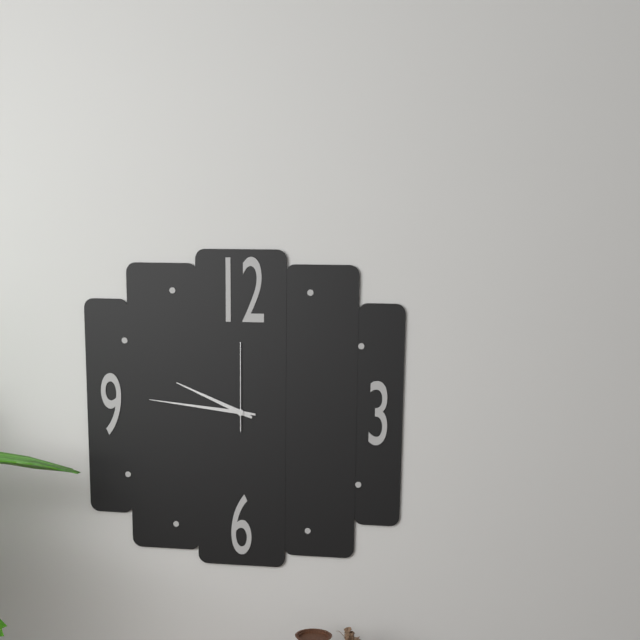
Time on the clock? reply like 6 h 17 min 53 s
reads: 9 h 46 min 00 s
